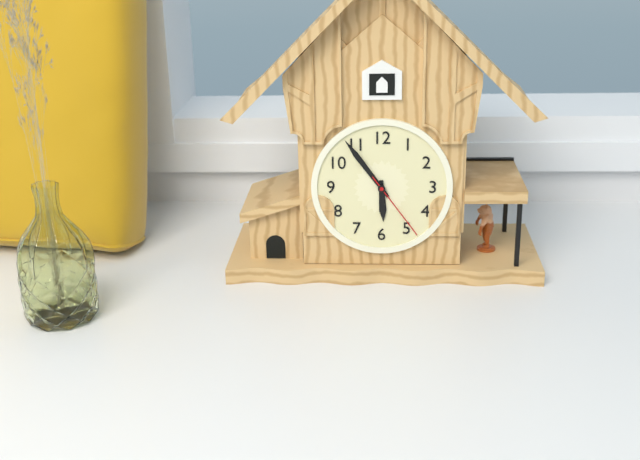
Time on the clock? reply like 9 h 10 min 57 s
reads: 5 h 54 min 24 s
